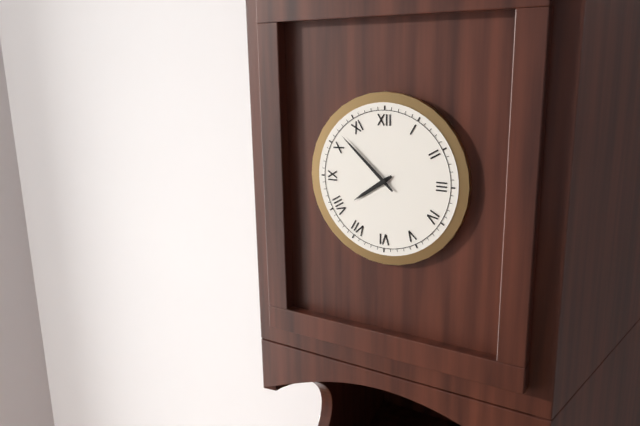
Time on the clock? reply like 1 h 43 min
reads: 7 h 52 min
